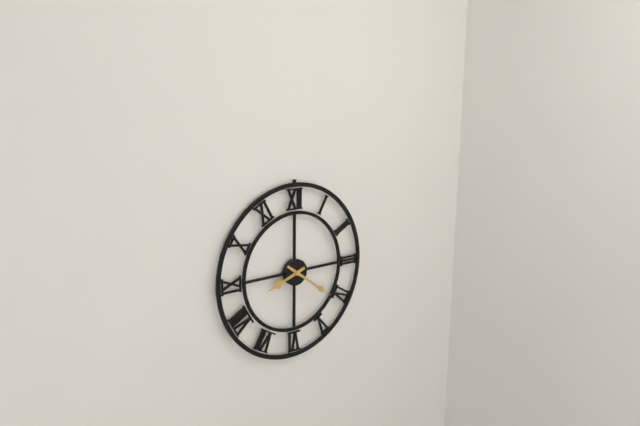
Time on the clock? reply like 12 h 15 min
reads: 8 h 21 min
